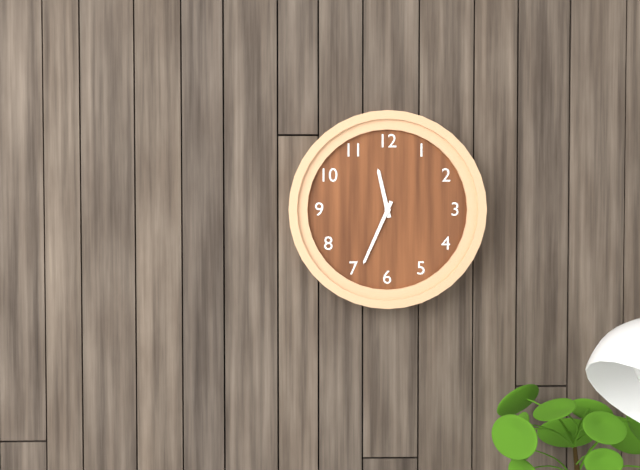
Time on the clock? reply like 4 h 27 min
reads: 11 h 34 min
